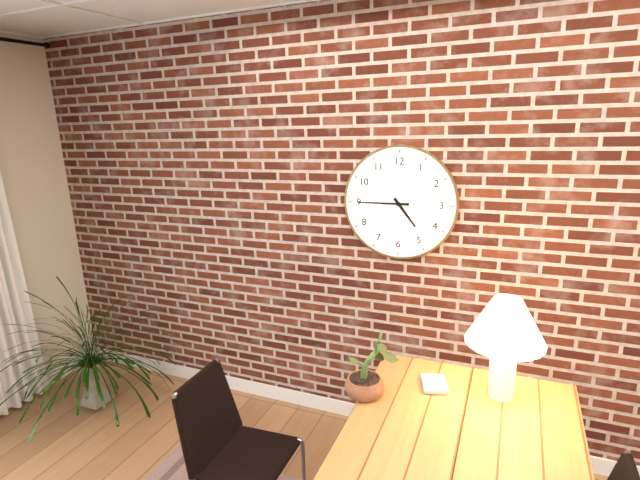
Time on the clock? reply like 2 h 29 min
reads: 4 h 45 min
